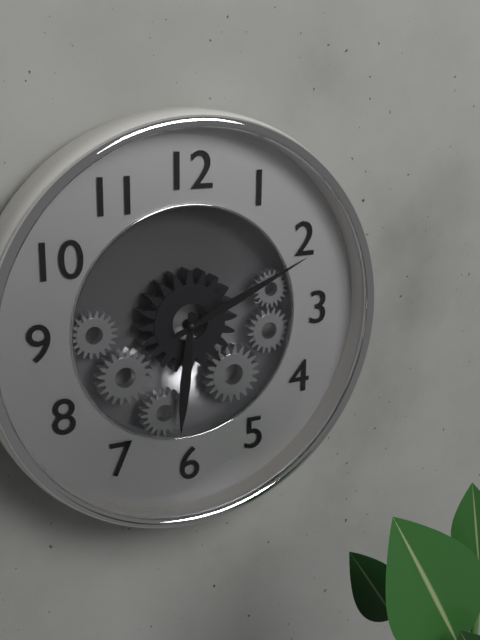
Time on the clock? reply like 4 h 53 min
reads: 6 h 11 min
